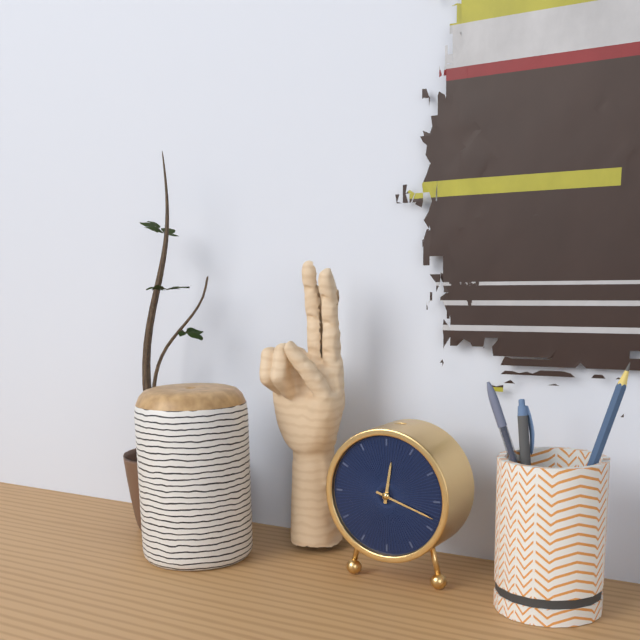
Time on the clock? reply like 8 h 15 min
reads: 12 h 18 min
